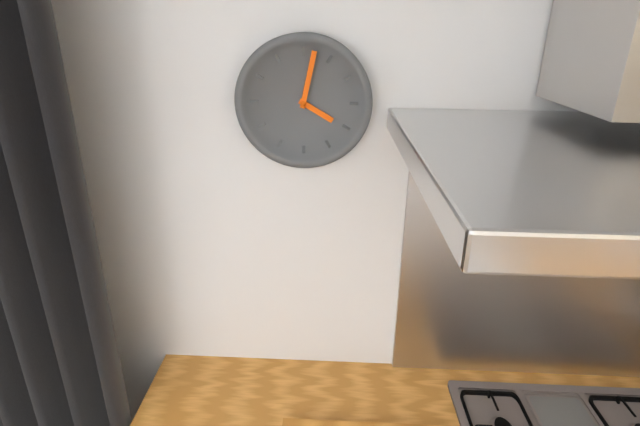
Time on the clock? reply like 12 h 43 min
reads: 4 h 02 min
